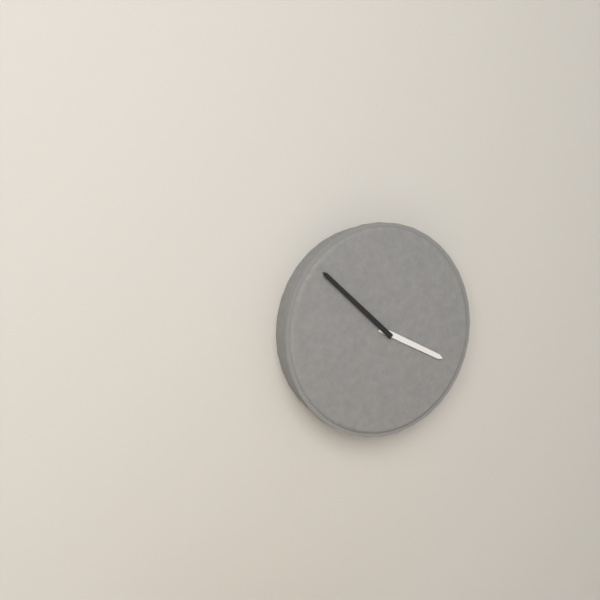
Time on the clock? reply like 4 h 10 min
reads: 3 h 52 min
